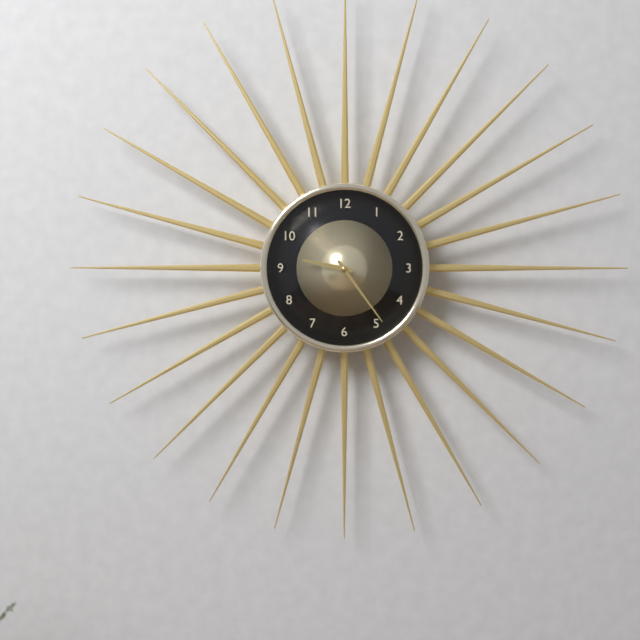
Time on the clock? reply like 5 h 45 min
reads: 9 h 24 min
